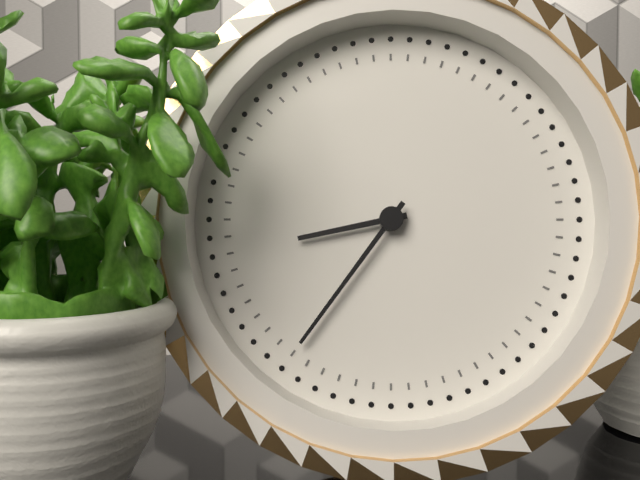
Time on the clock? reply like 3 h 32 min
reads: 8 h 36 min
